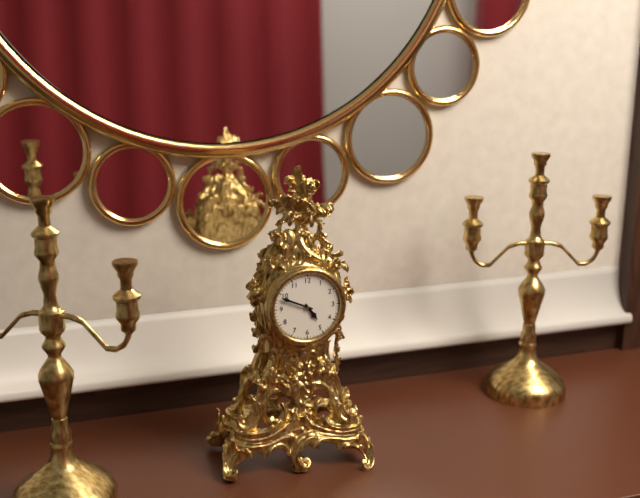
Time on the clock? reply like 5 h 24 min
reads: 4 h 49 min
